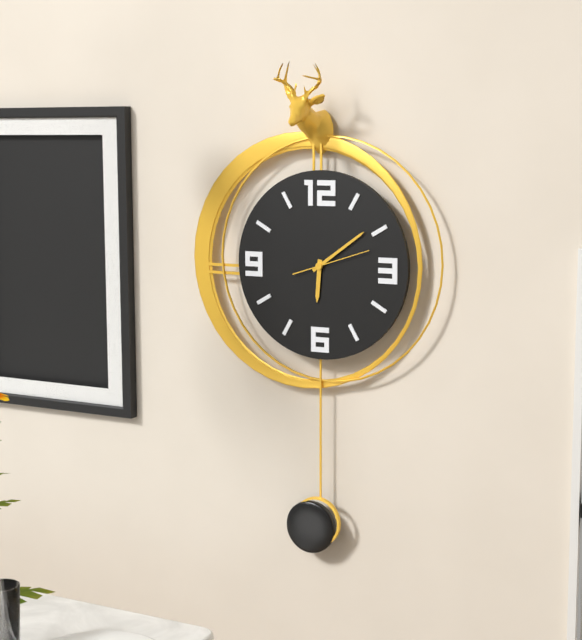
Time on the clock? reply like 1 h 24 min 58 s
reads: 6 h 09 min 12 s
